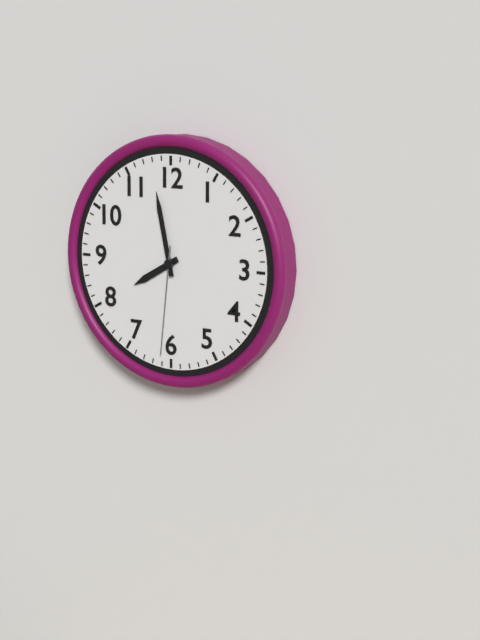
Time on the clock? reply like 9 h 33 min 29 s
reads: 7 h 58 min 31 s
